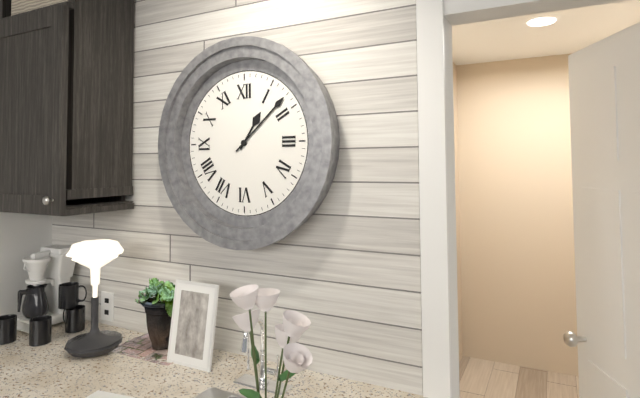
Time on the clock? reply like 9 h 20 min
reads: 1 h 08 min
